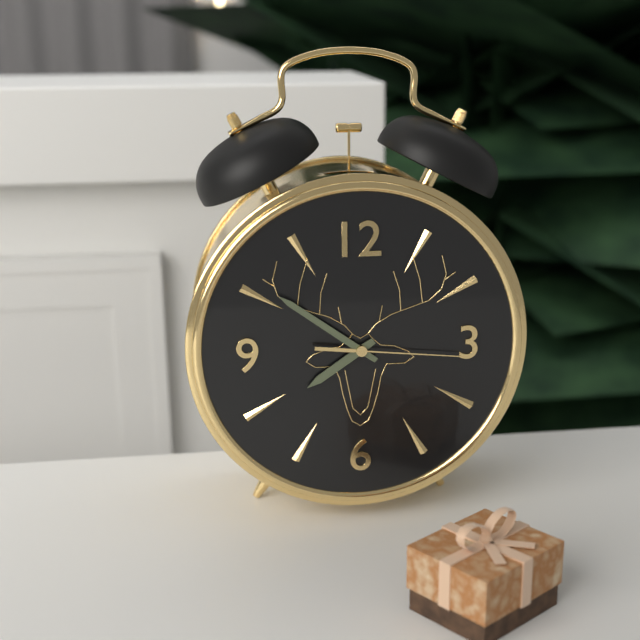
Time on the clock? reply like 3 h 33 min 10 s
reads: 7 h 51 min 16 s
